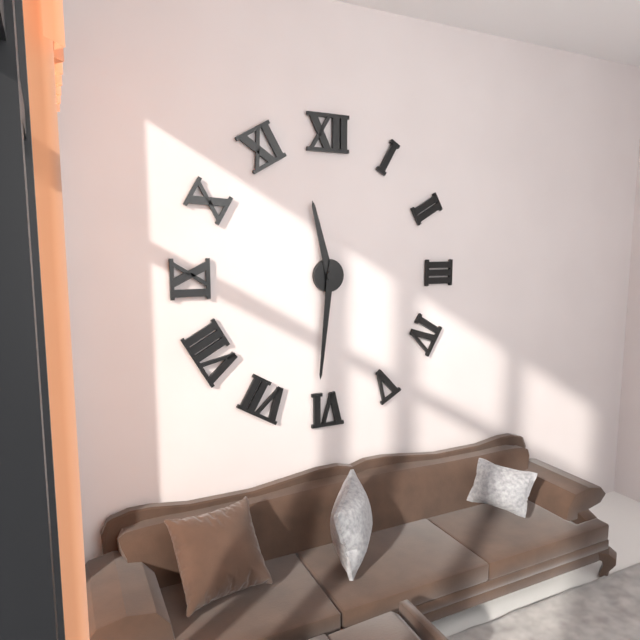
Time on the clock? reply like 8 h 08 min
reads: 11 h 31 min
